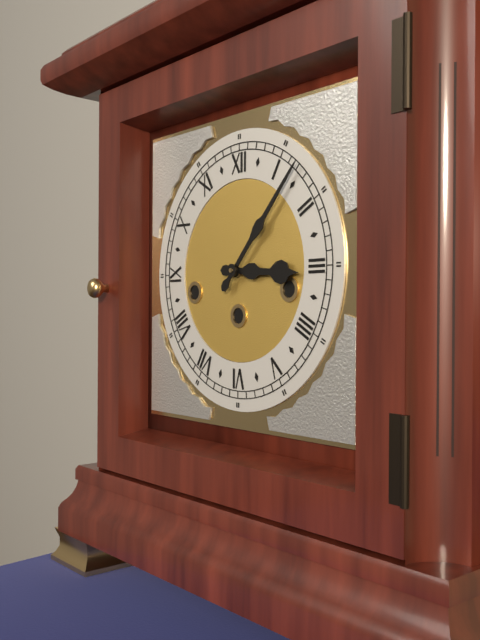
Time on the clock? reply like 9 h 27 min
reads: 3 h 07 min
